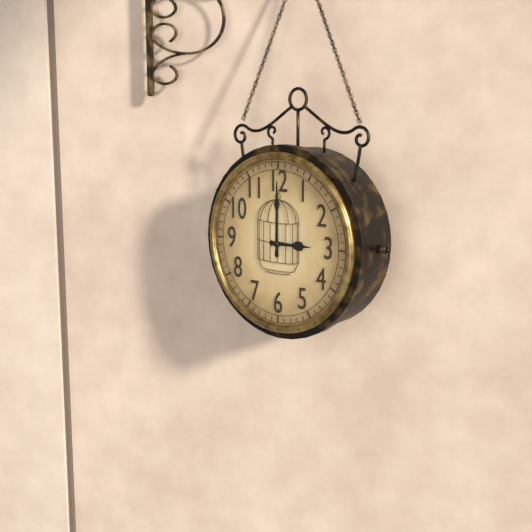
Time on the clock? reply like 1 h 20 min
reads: 3 h 00 min
